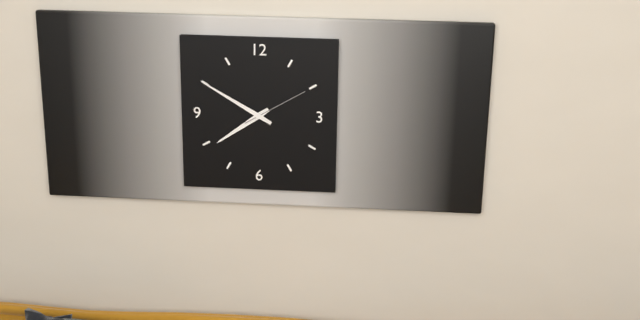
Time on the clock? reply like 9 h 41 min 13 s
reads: 7 h 50 min 10 s
